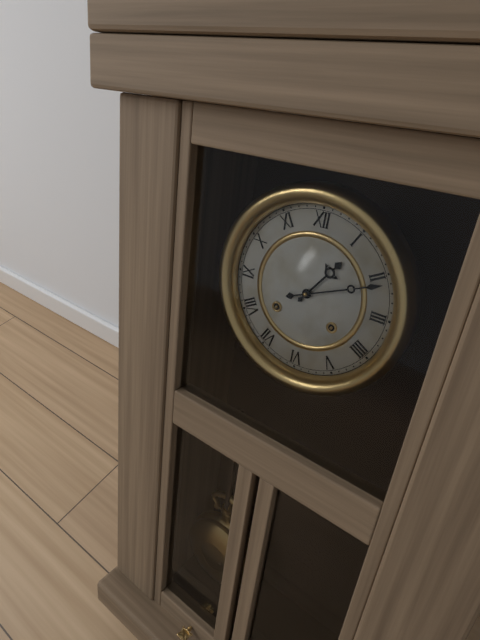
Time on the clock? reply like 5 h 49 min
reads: 1 h 11 min
